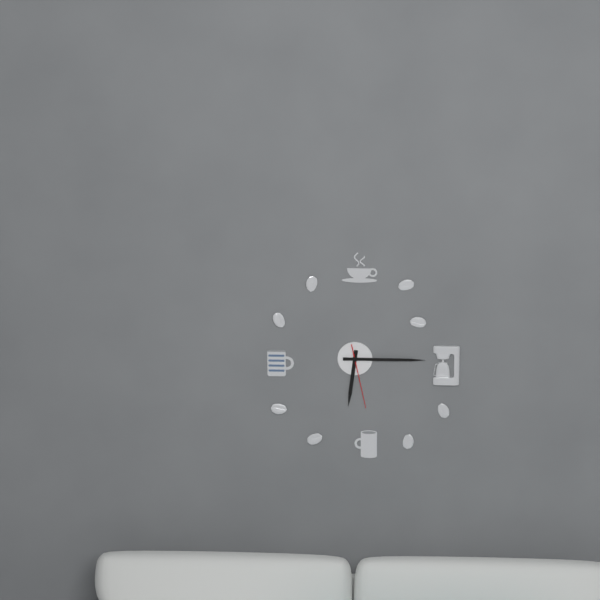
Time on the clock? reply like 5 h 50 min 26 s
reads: 6 h 15 min 28 s
